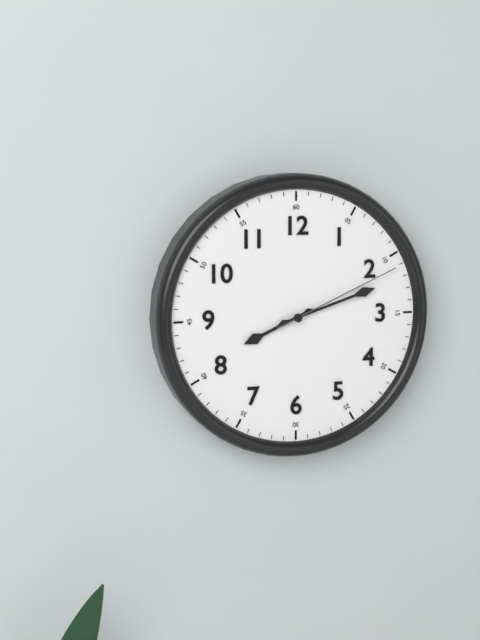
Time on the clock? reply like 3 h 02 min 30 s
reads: 8 h 12 min 11 s
